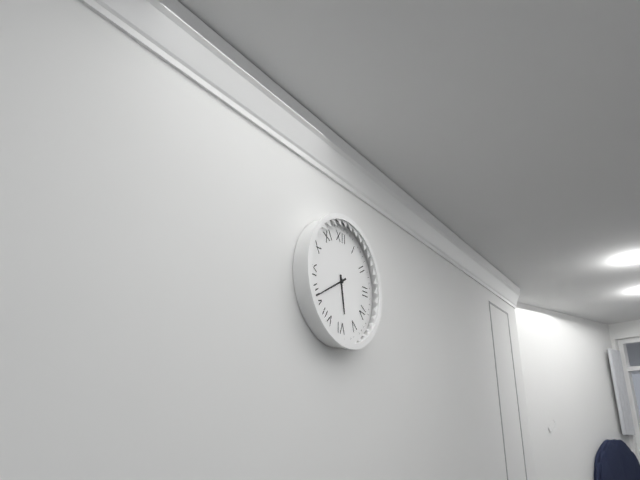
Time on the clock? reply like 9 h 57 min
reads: 5 h 40 min
